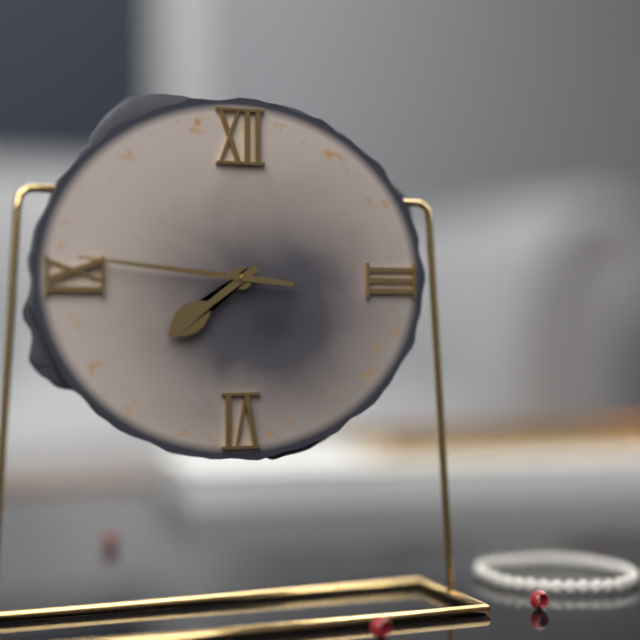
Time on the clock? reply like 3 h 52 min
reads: 7 h 46 min
